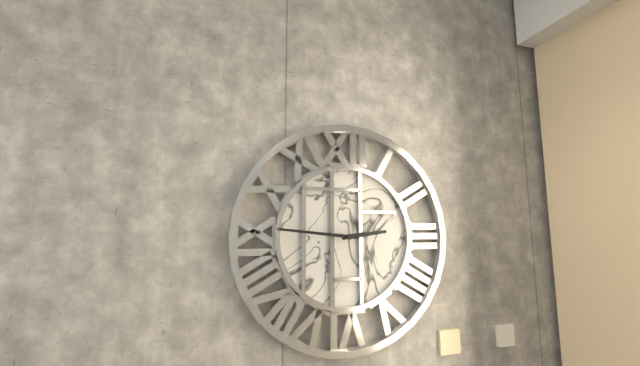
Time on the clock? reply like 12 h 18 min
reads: 2 h 46 min
